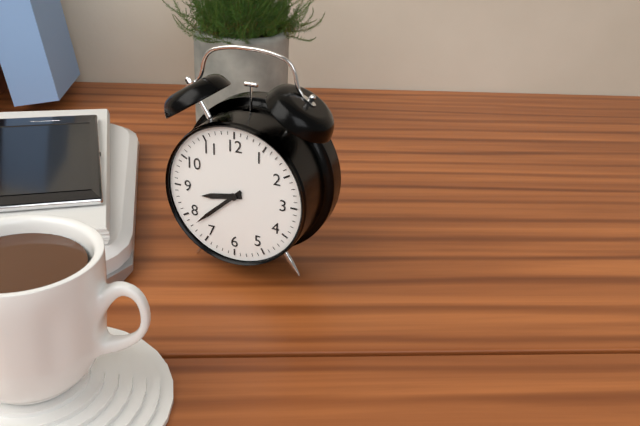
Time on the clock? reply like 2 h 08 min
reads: 8 h 38 min
